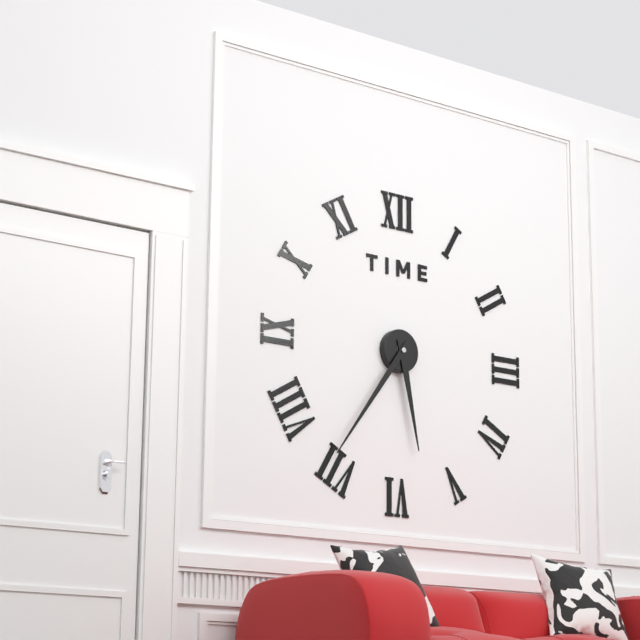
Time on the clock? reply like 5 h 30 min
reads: 5 h 36 min
